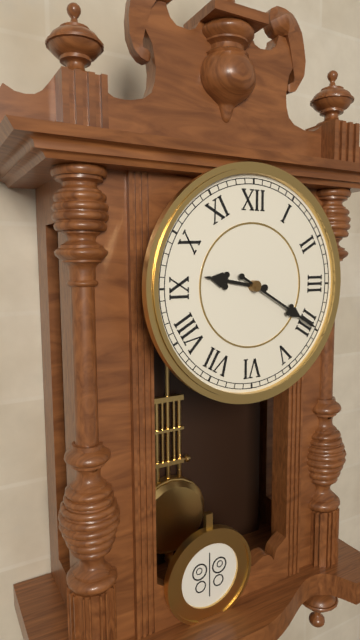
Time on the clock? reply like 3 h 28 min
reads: 9 h 20 min
